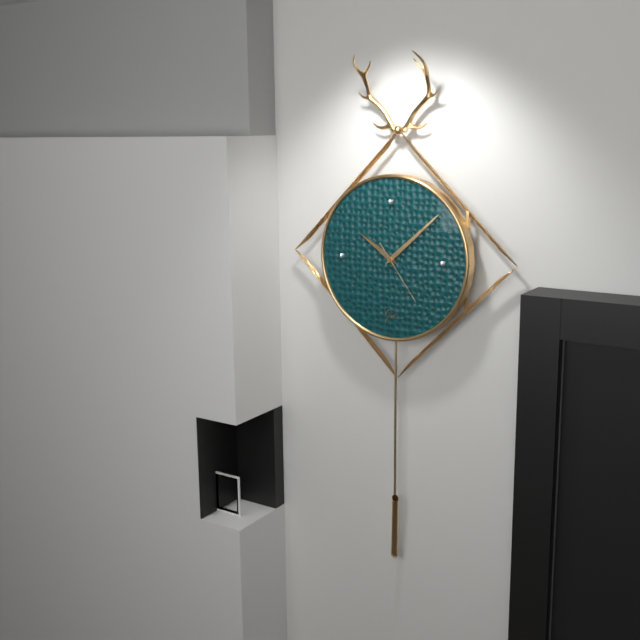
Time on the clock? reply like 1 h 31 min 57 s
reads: 10 h 08 min 24 s
